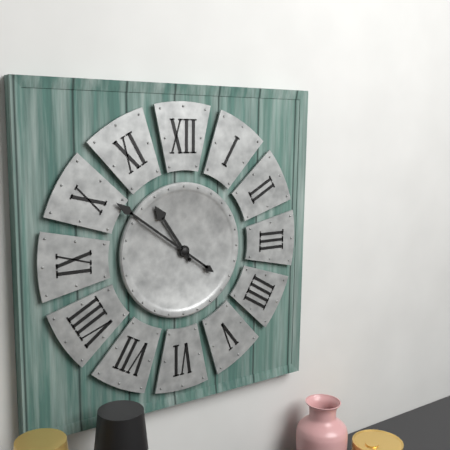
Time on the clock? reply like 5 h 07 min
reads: 10 h 51 min
